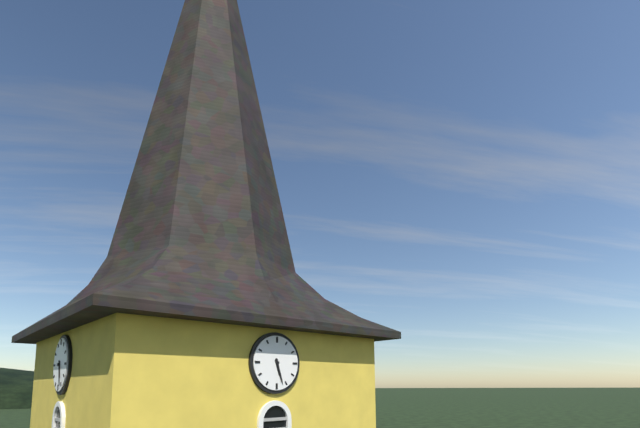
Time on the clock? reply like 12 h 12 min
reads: 5 h 27 min
